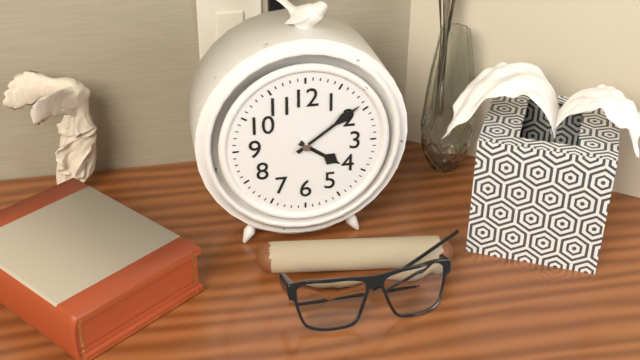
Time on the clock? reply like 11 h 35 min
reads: 4 h 09 min
